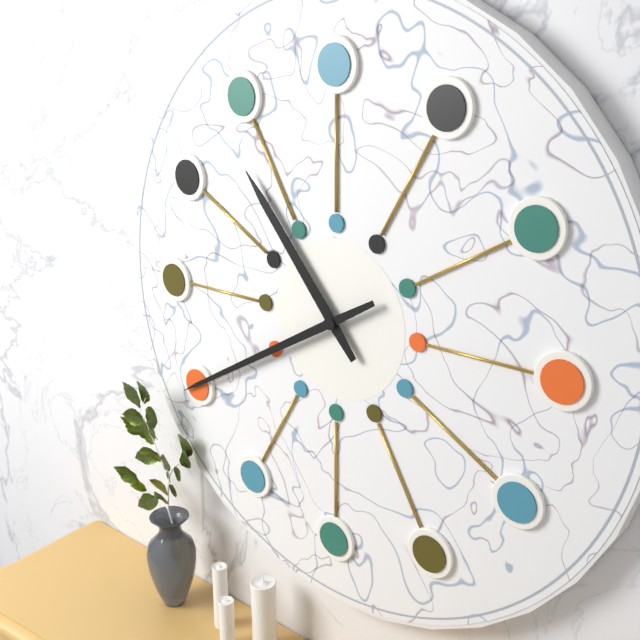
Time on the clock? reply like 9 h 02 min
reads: 10 h 40 min
